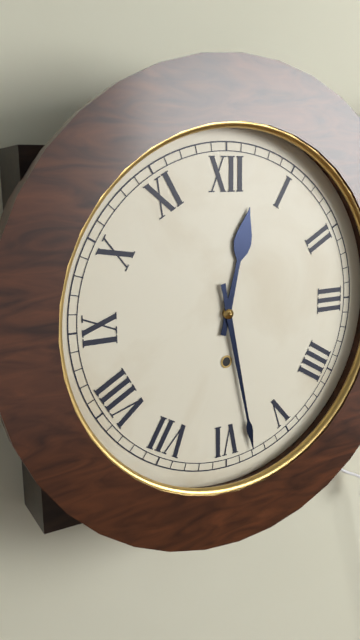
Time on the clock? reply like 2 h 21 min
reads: 12 h 28 min
